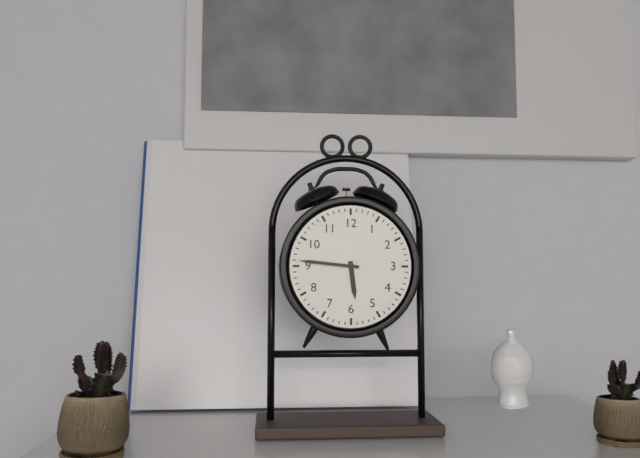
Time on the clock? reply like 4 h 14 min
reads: 5 h 46 min
